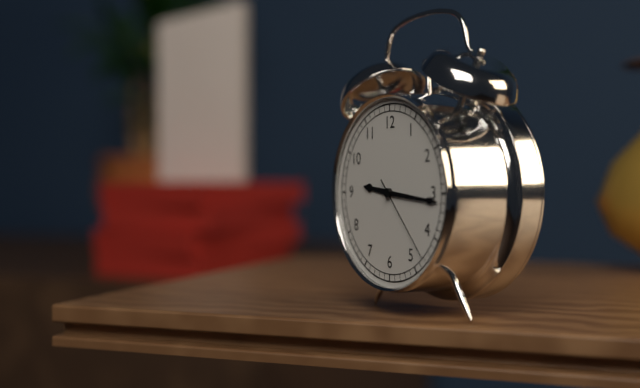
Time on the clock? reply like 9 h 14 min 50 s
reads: 9 h 16 min 23 s
